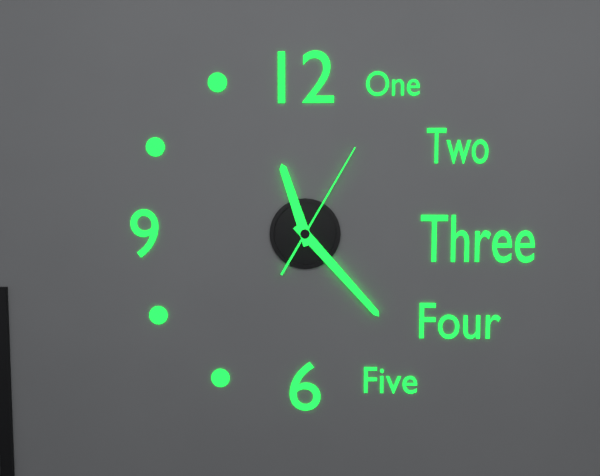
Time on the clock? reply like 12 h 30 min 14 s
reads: 11 h 23 min 05 s
